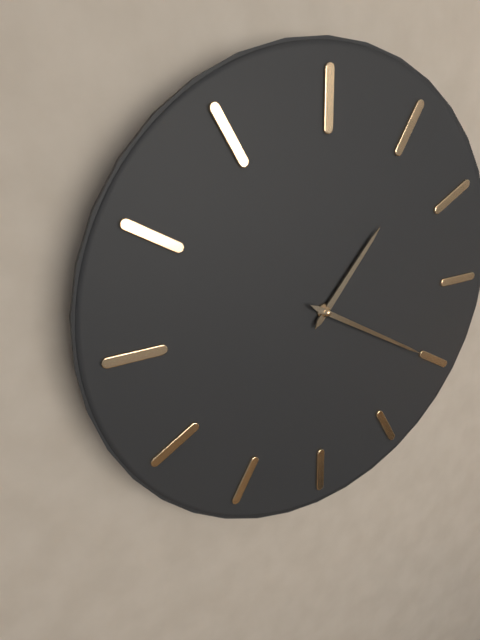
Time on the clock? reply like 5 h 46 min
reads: 1 h 20 min
